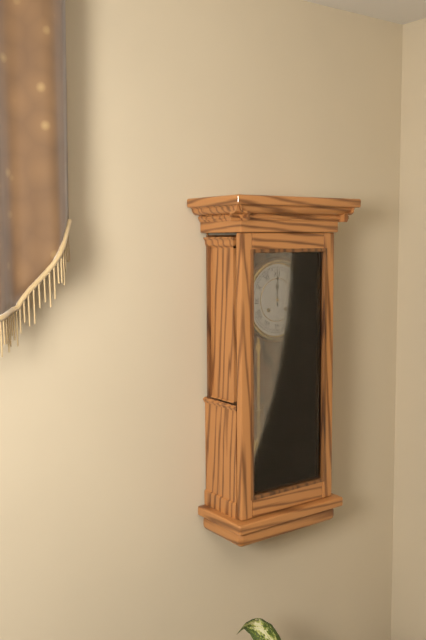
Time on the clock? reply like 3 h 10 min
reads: 12 h 00 min
